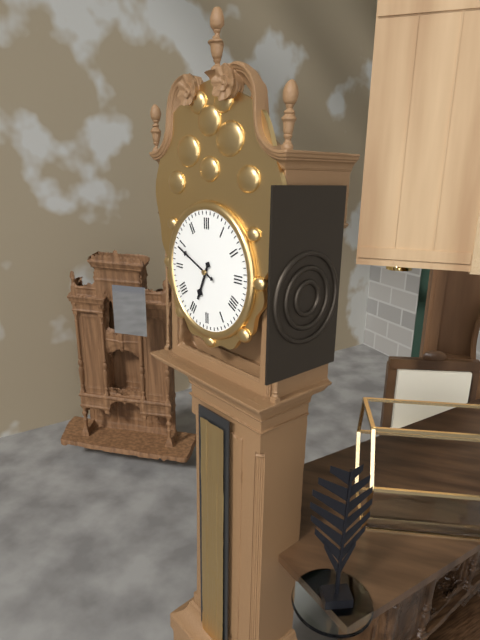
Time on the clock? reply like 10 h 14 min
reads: 6 h 49 min
